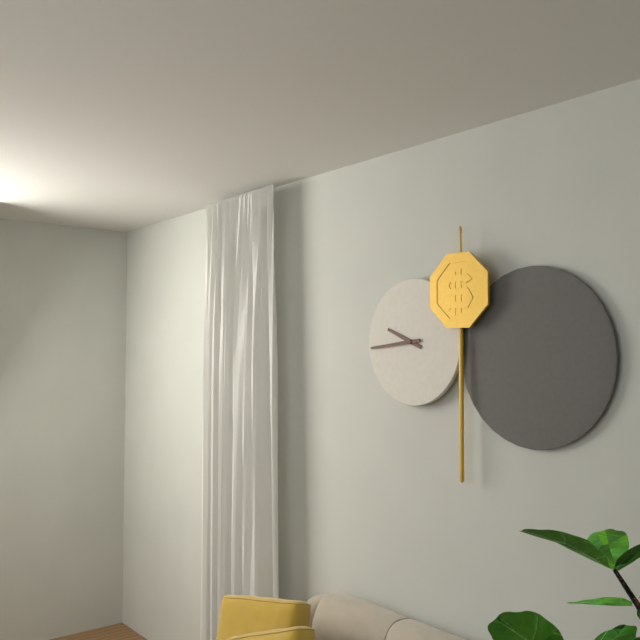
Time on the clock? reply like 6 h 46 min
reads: 9 h 44 min
